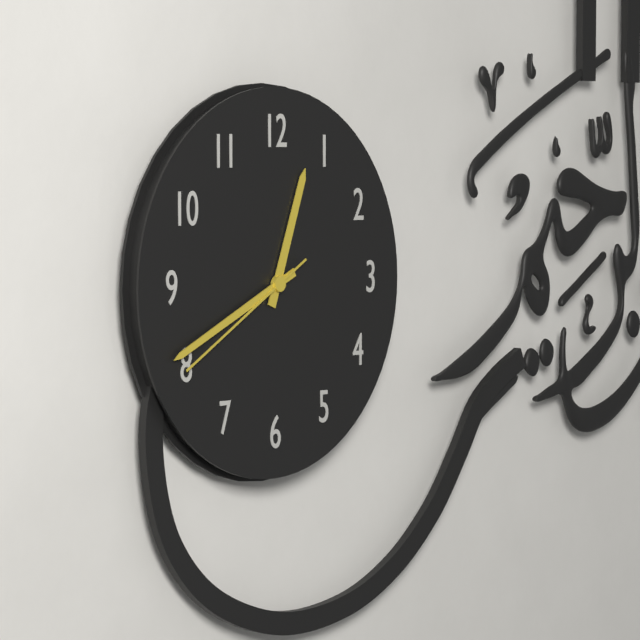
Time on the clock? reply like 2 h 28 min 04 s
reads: 12 h 41 min 40 s
